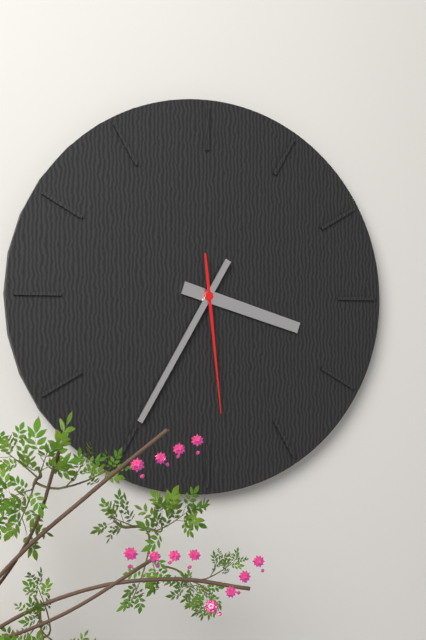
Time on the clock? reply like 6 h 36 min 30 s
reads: 3 h 35 min 29 s
